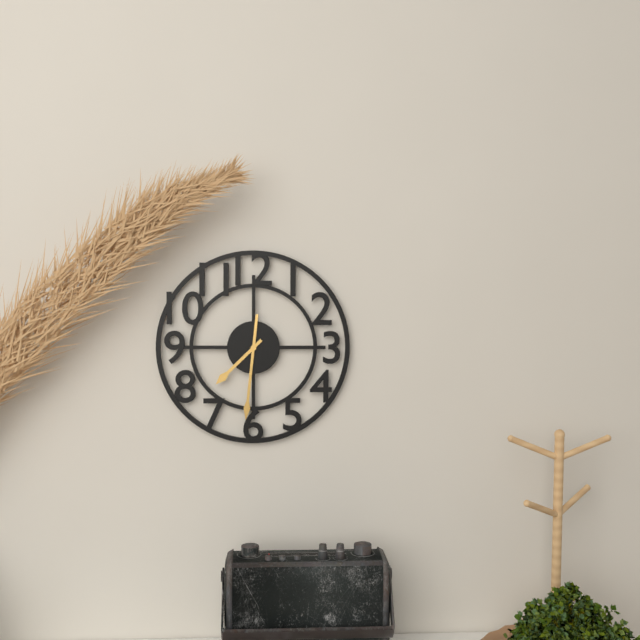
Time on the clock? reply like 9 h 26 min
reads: 7 h 31 min
